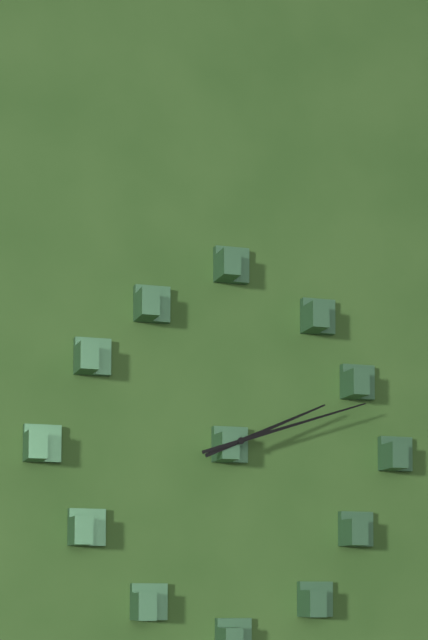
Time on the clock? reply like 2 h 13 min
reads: 2 h 12 min
